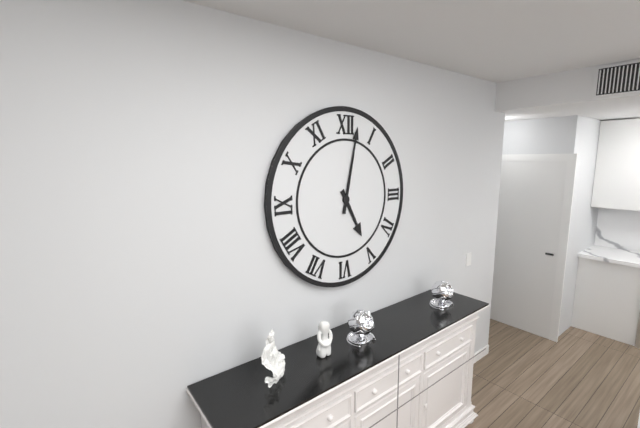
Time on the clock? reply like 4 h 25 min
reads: 5 h 02 min
